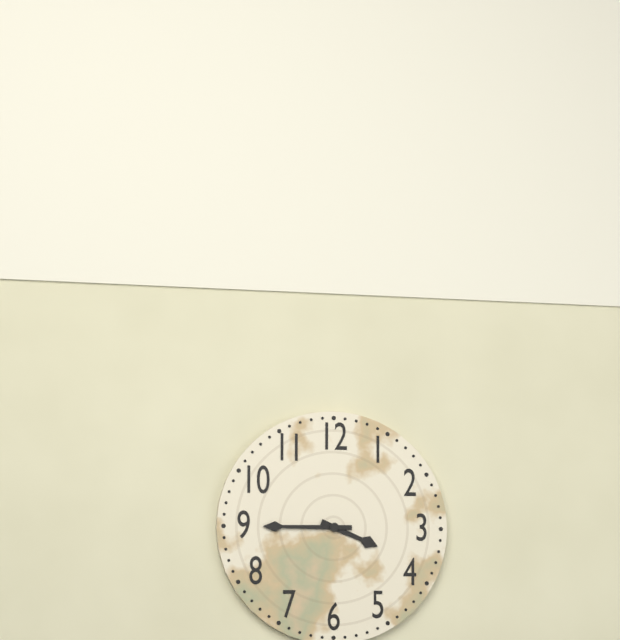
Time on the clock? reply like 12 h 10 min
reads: 3 h 45 min
